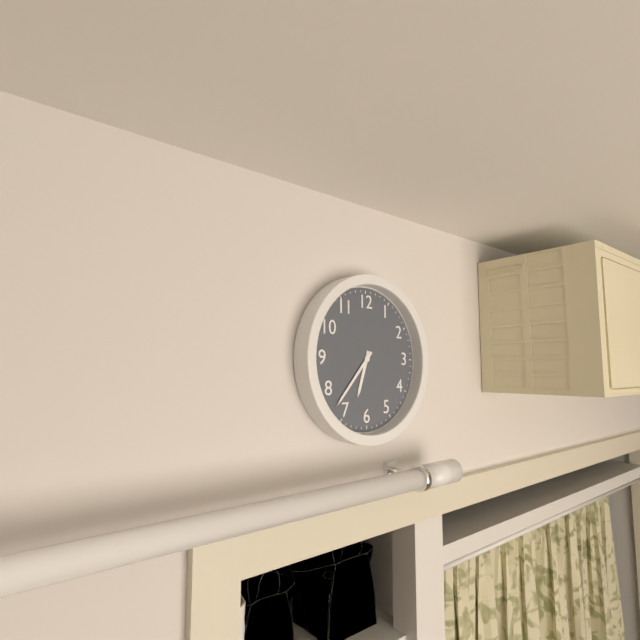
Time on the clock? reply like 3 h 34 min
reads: 6 h 37 min
